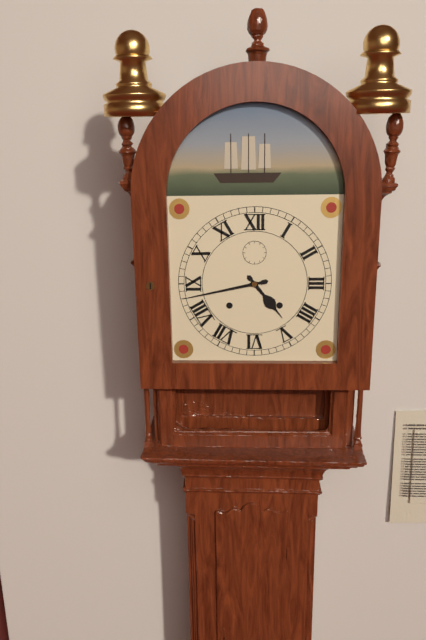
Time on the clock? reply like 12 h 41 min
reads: 4 h 43 min
